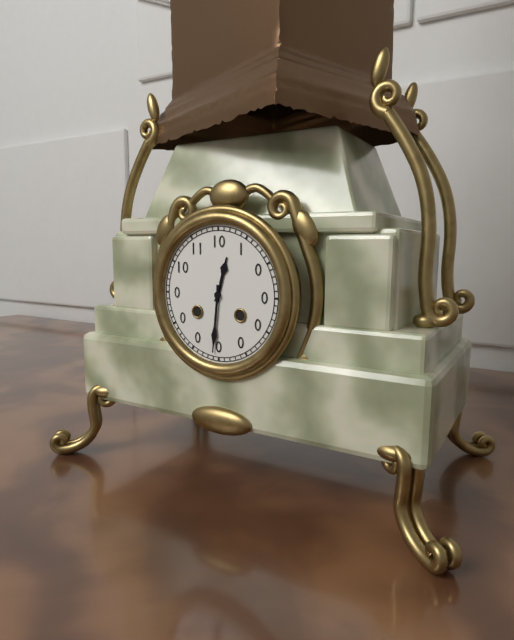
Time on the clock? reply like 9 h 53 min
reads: 12 h 31 min
